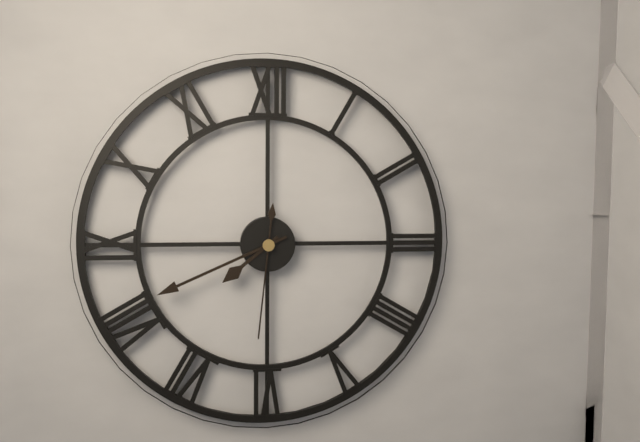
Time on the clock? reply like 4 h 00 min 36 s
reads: 7 h 41 min 31 s
